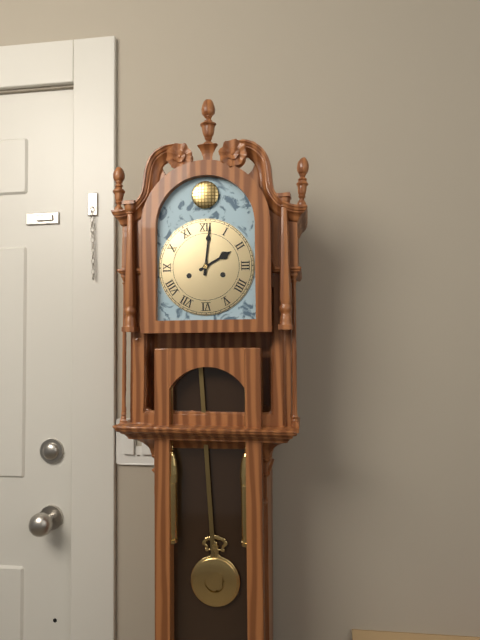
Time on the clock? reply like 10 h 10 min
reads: 2 h 01 min
